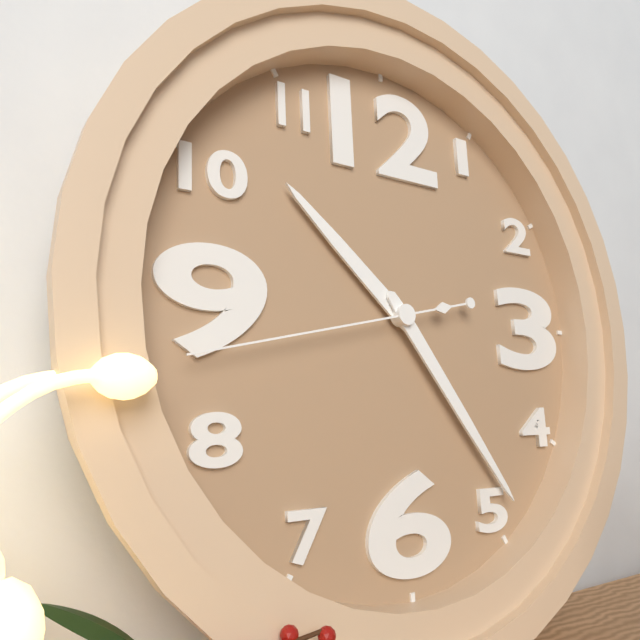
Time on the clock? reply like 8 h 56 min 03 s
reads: 10 h 24 min 43 s
